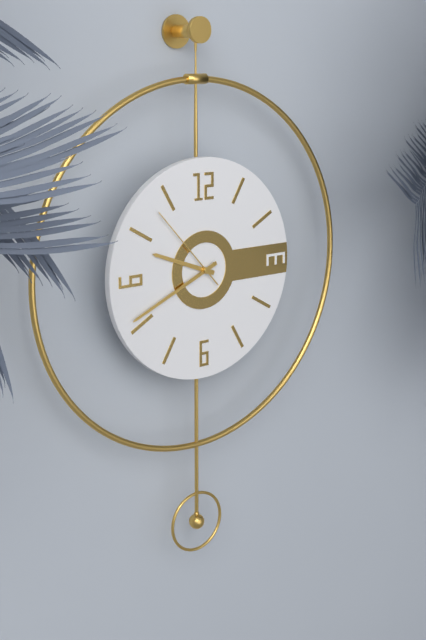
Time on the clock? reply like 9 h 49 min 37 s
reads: 9 h 41 min 53 s
